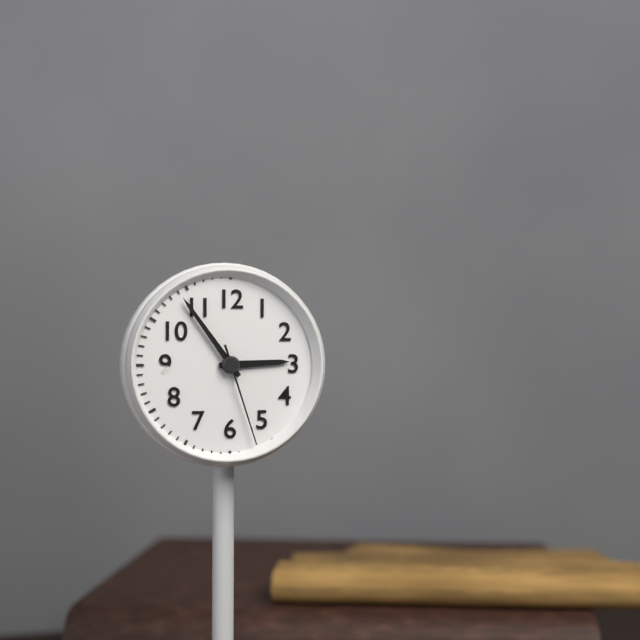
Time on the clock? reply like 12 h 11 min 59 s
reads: 2 h 54 min 27 s
